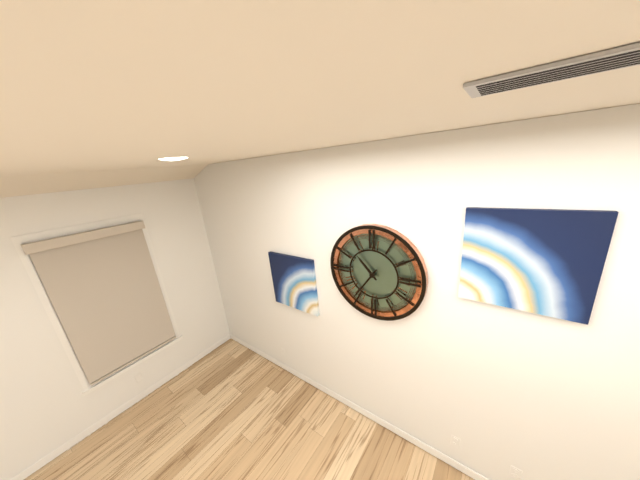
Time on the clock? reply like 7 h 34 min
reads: 10 h 36 min
